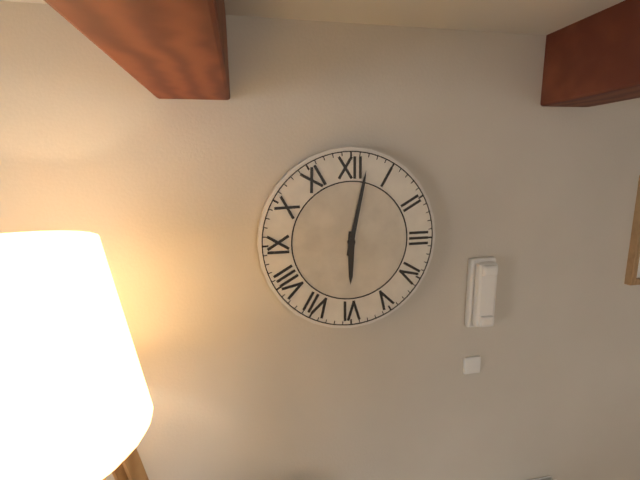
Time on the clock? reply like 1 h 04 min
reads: 6 h 02 min
